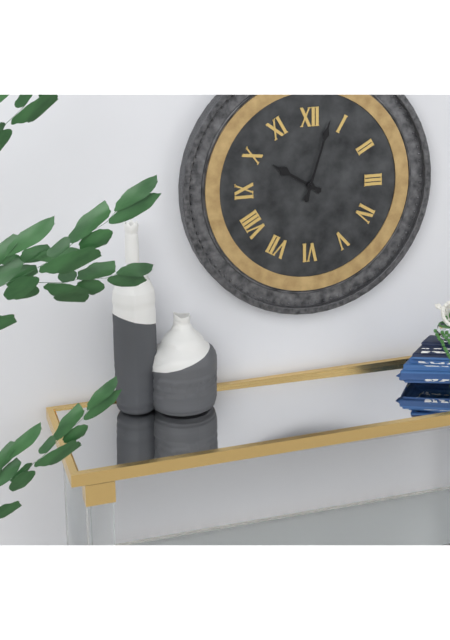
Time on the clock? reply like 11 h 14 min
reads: 10 h 03 min
